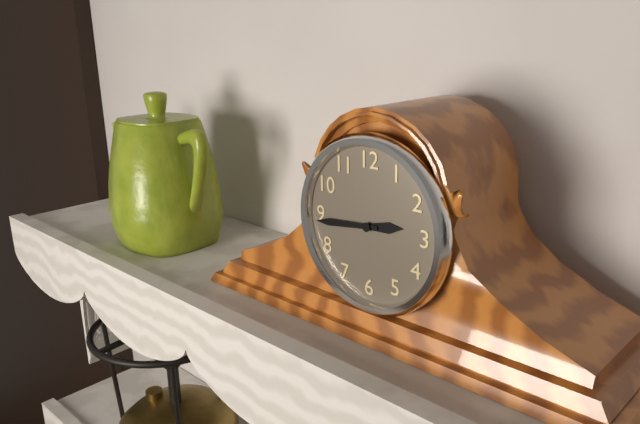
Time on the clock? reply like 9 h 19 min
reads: 2 h 44 min
